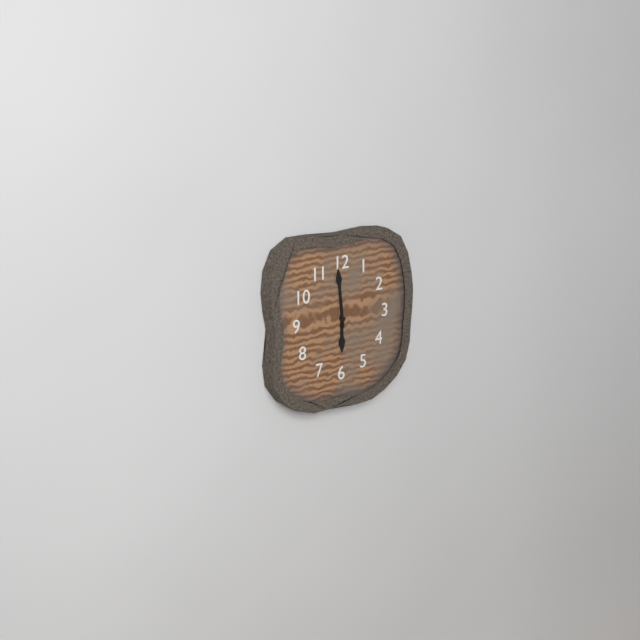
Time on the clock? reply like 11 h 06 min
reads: 5 h 59 min
